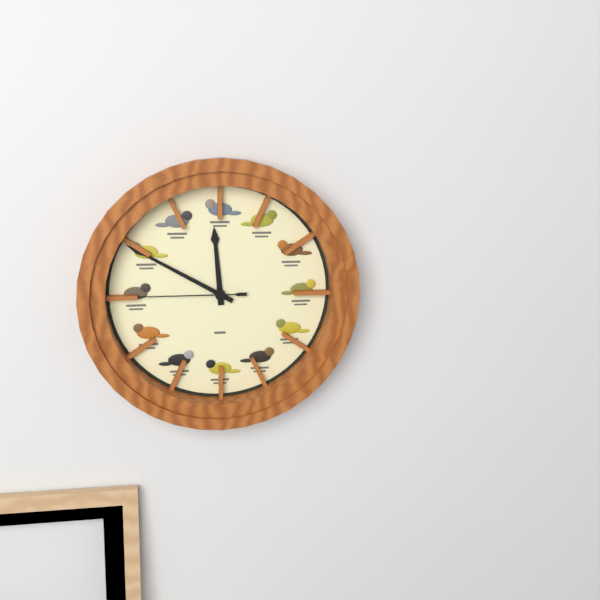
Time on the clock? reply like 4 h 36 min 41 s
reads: 11 h 50 min 45 s
